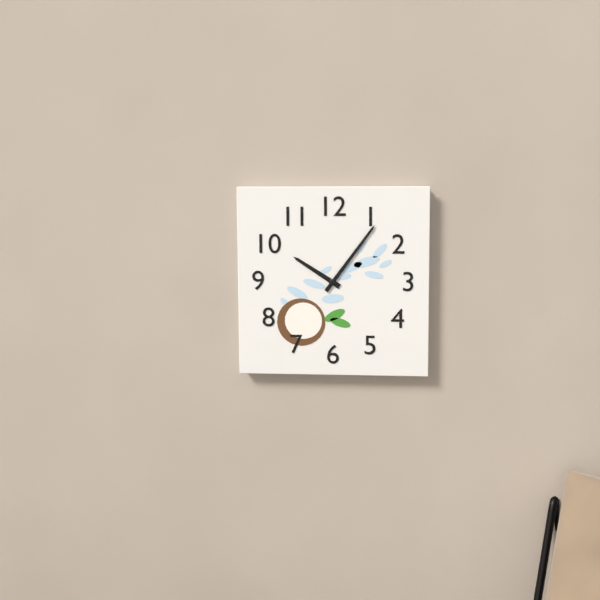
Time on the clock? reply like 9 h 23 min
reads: 10 h 06 min
